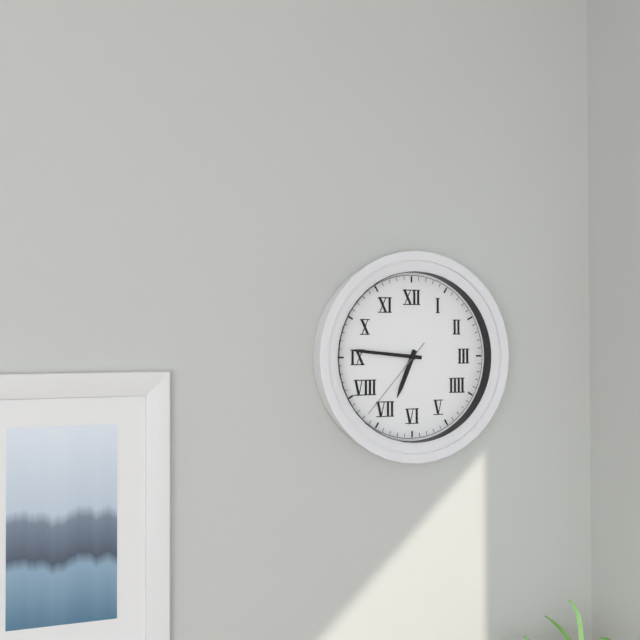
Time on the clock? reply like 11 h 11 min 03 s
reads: 6 h 46 min 37 s
